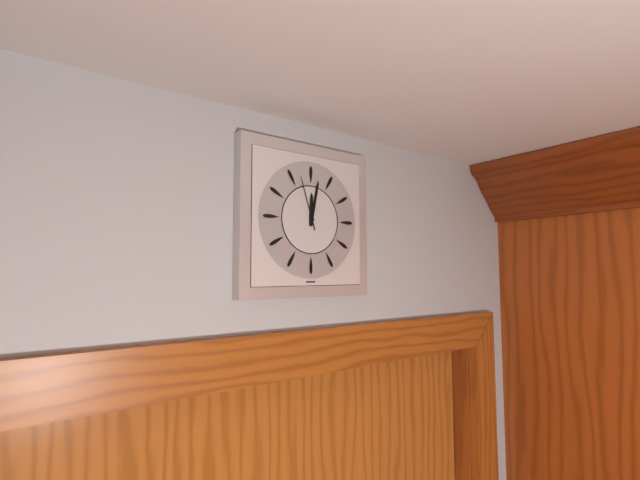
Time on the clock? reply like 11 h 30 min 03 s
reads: 12 h 02 min 57 s
